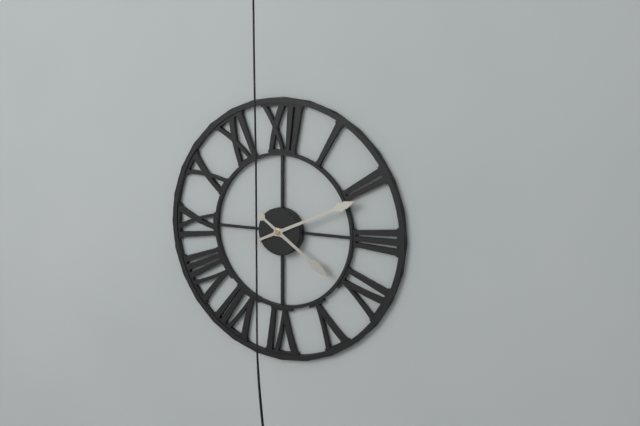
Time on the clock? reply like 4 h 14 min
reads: 4 h 11 min
